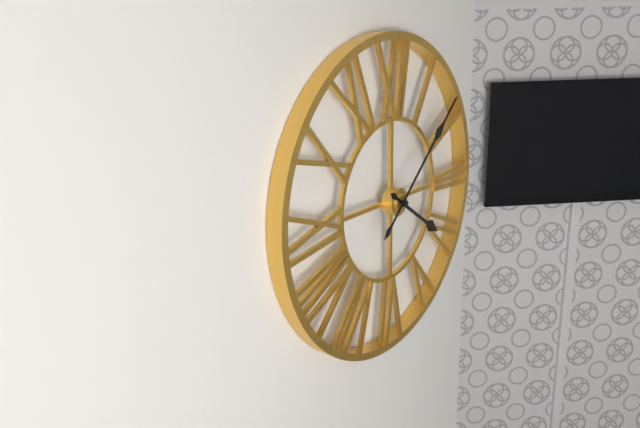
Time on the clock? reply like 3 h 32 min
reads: 4 h 08 min
